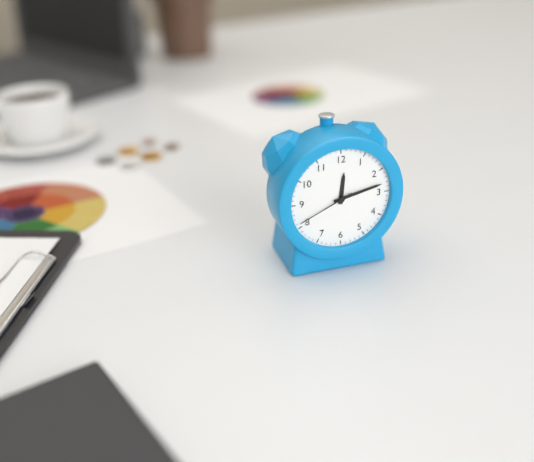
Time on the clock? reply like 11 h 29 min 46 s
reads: 12 h 13 min 41 s
